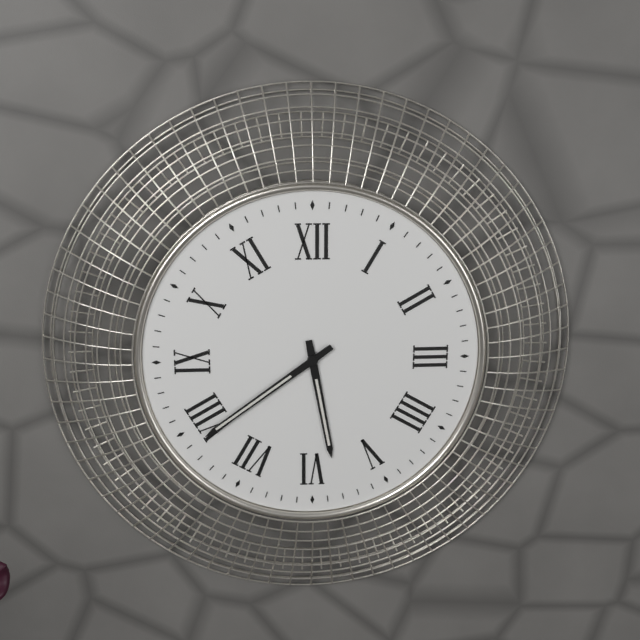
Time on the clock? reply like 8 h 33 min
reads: 5 h 39 min
